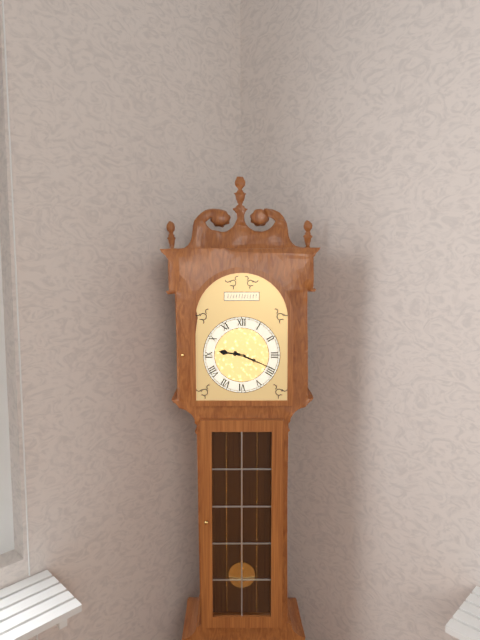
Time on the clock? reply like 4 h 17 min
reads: 9 h 19 min
